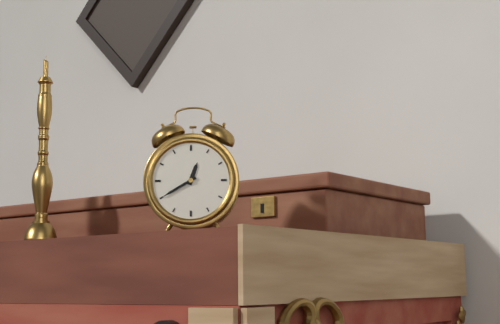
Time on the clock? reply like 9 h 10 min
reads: 12 h 40 min
